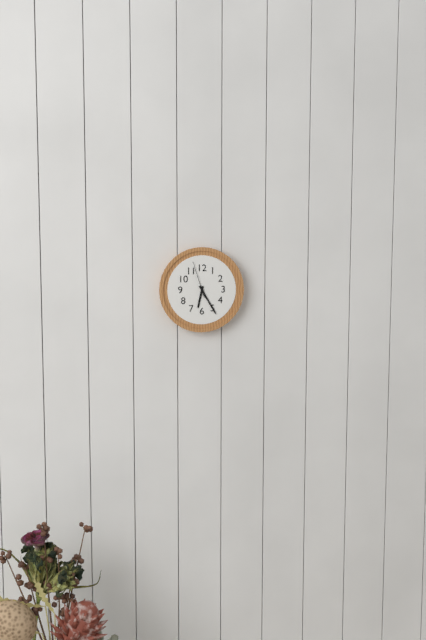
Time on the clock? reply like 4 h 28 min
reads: 6 h 25 min
